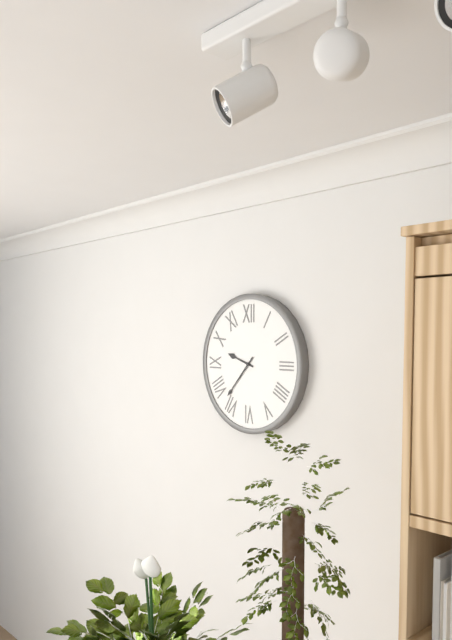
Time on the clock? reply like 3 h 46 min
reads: 9 h 37 min
